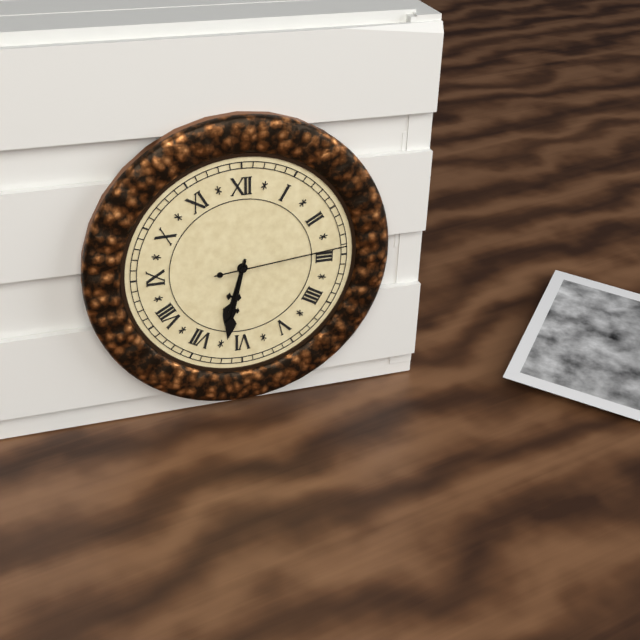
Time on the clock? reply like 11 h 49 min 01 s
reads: 6 h 32 min 14 s
